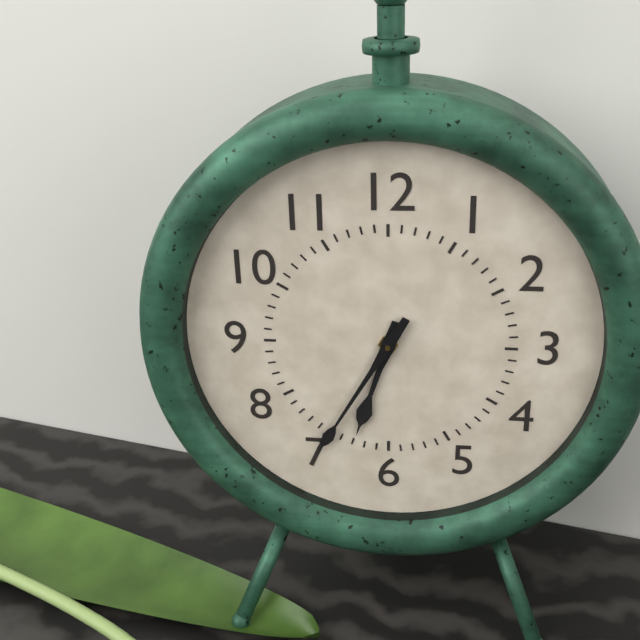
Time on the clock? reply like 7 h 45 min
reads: 6 h 35 min
